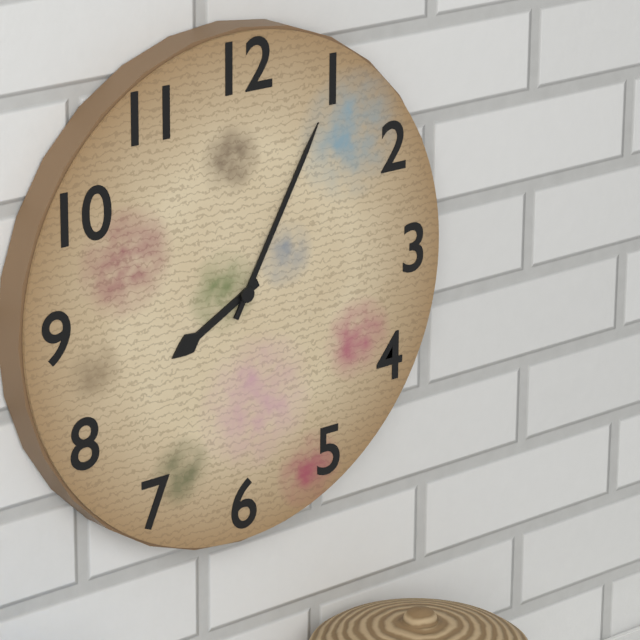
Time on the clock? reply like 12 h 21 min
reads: 8 h 05 min
